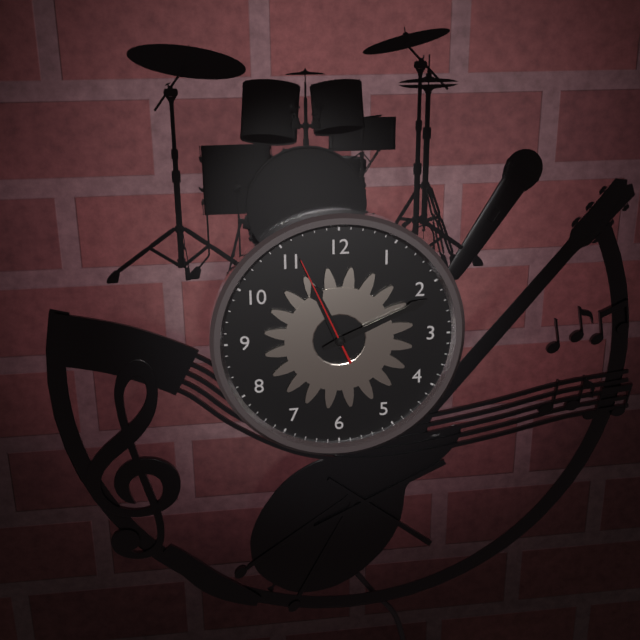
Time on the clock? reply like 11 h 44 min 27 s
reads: 11 h 11 min 56 s
